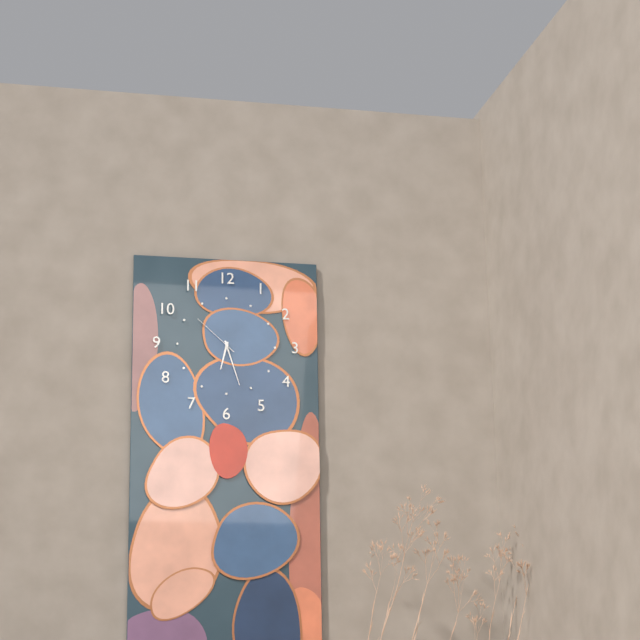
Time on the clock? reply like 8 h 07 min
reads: 6 h 27 min
